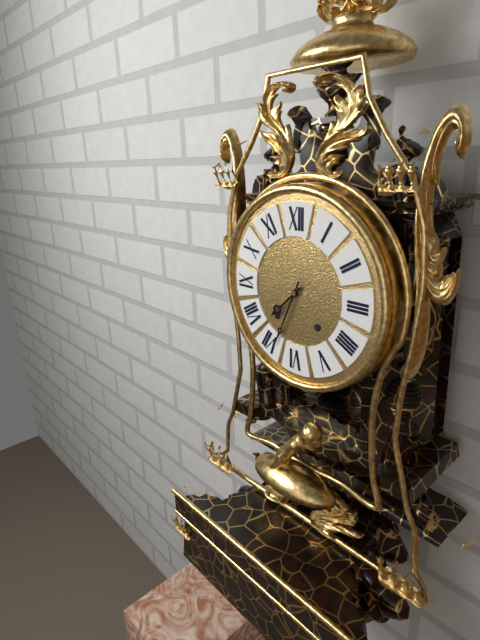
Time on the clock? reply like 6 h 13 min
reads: 7 h 34 min
